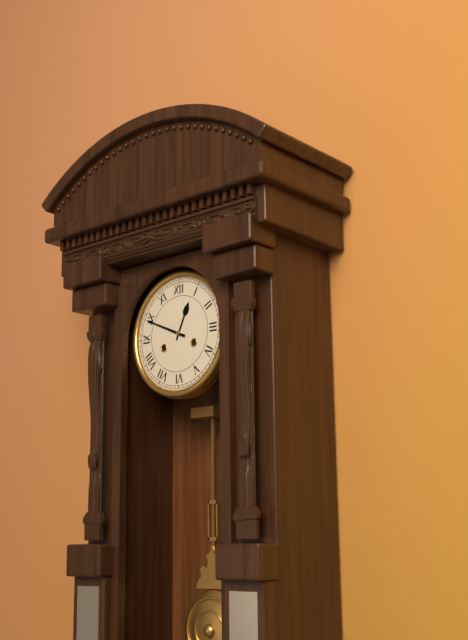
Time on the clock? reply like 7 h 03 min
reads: 12 h 49 min
